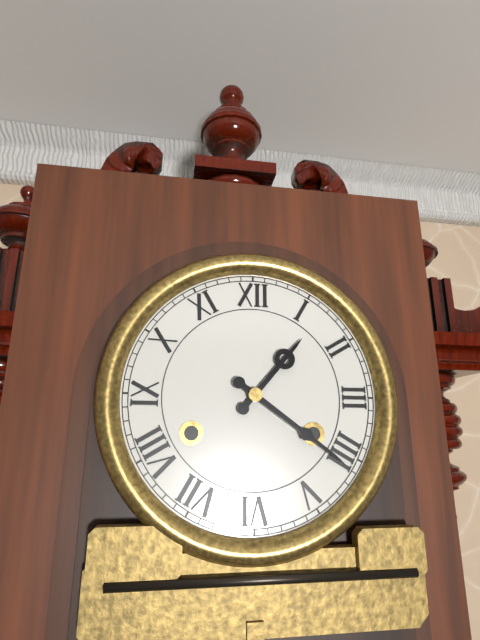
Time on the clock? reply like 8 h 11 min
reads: 1 h 21 min
